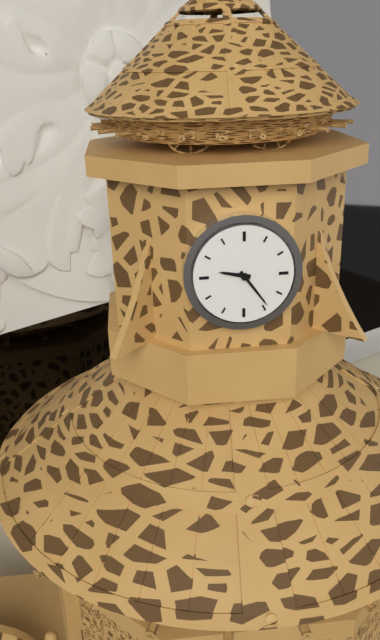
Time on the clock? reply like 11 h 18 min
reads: 9 h 24 min
